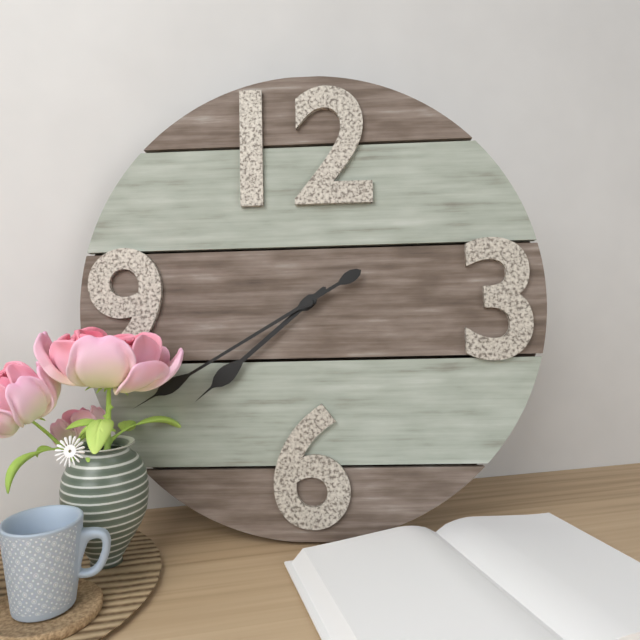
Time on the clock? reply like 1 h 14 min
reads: 7 h 40 min
